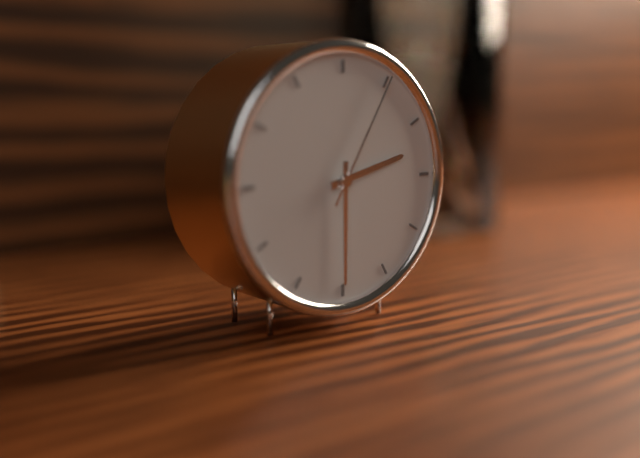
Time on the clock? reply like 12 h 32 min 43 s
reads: 2 h 30 min 05 s
